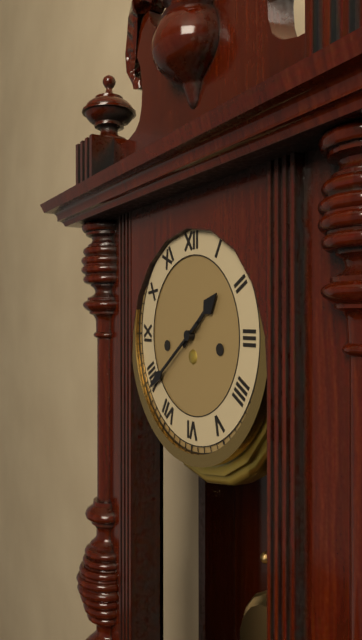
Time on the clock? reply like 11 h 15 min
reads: 1 h 39 min
